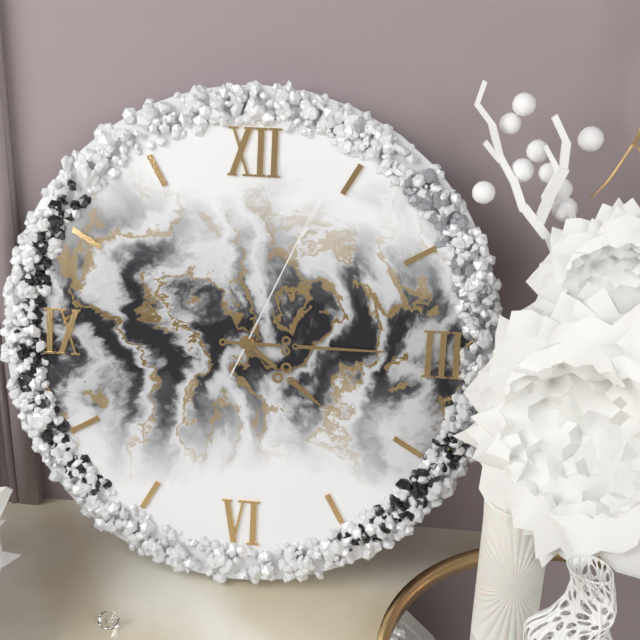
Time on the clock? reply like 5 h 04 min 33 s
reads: 4 h 15 min 04 s
